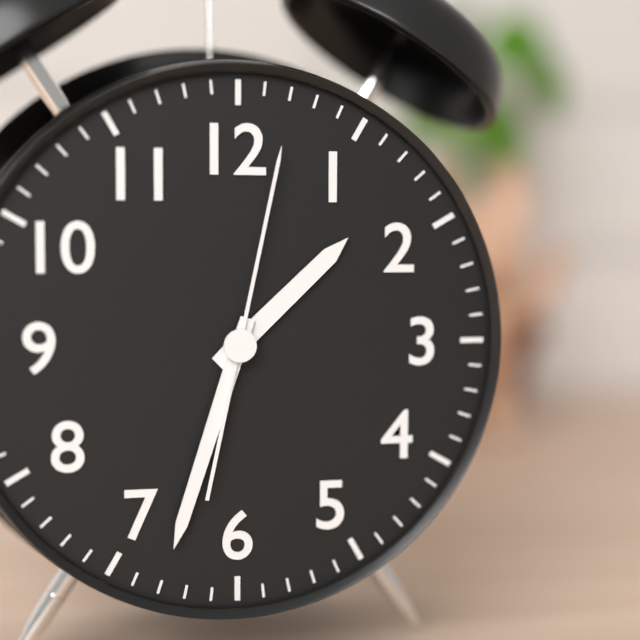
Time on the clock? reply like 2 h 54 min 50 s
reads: 1 h 33 min 02 s
